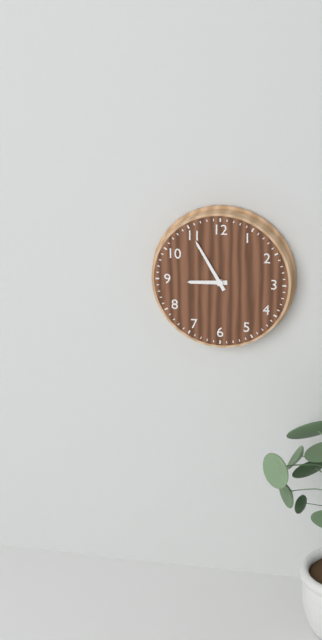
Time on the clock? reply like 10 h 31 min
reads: 8 h 55 min
